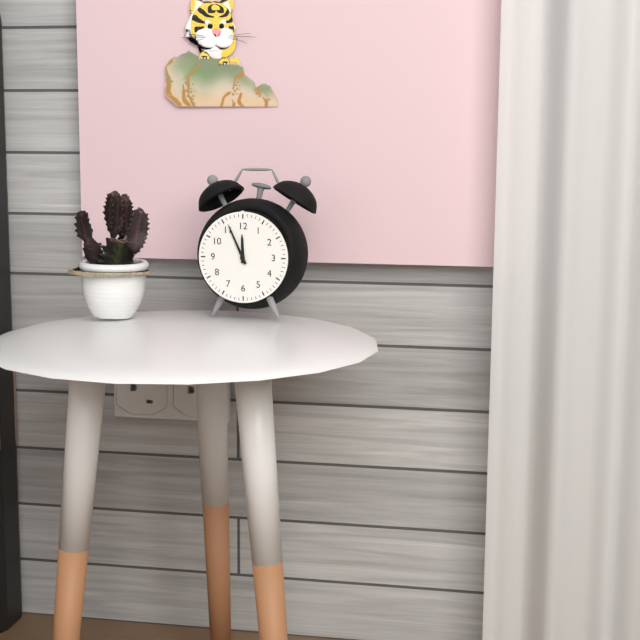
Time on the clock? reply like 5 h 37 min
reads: 11 h 56 min
